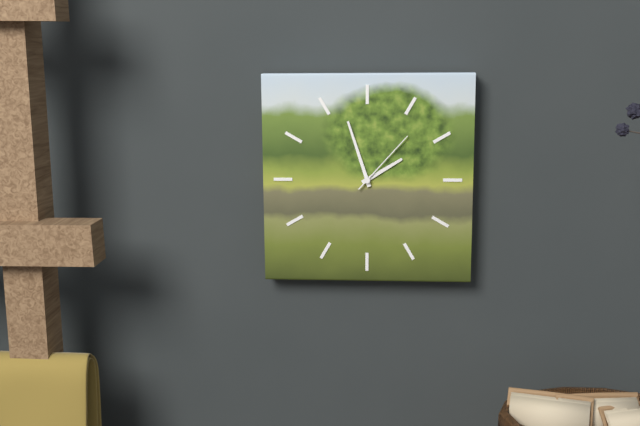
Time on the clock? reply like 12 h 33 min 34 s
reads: 1 h 57 min 07 s
